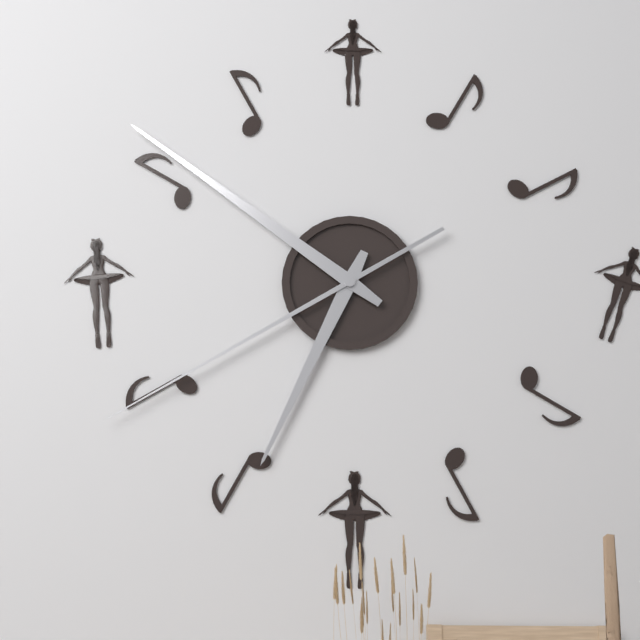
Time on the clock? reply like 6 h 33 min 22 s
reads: 6 h 51 min 40 s
